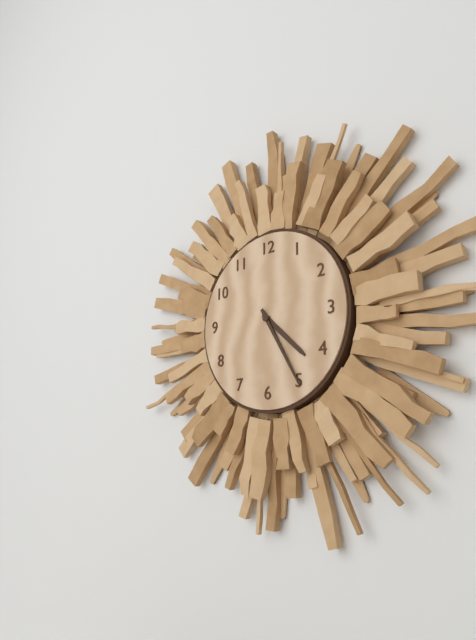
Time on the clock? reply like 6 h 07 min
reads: 4 h 25 min
